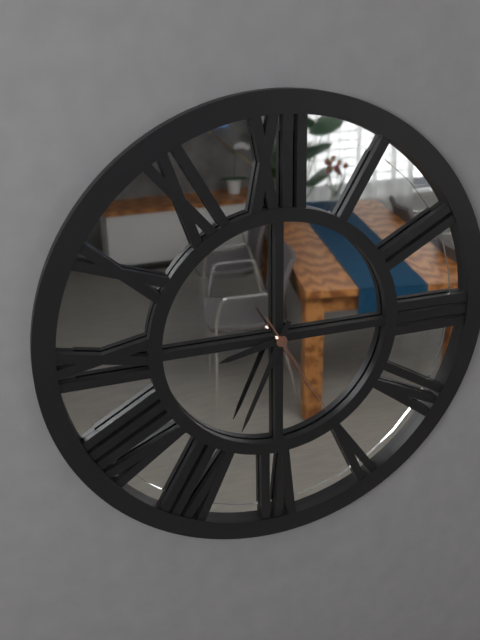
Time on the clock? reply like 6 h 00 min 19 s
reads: 8 h 34 min 25 s
